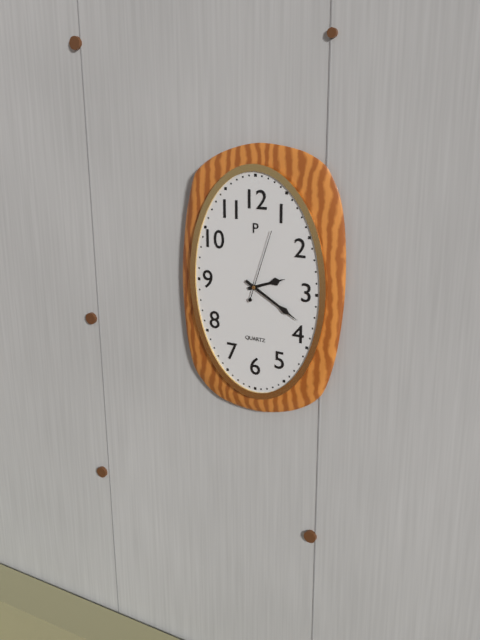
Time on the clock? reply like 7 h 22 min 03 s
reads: 2 h 20 min 03 s
